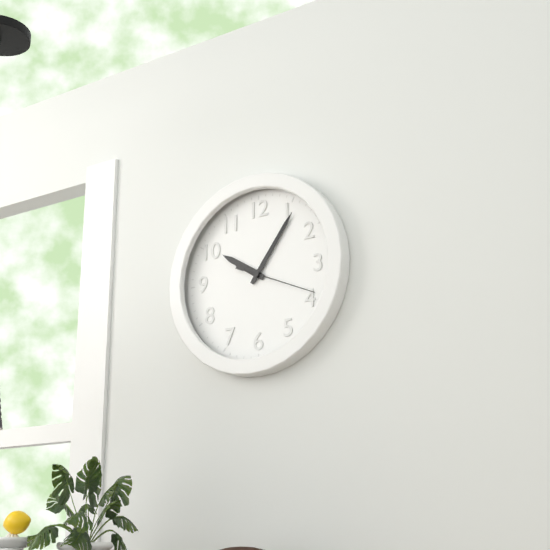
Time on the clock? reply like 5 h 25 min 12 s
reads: 10 h 06 min 19 s
